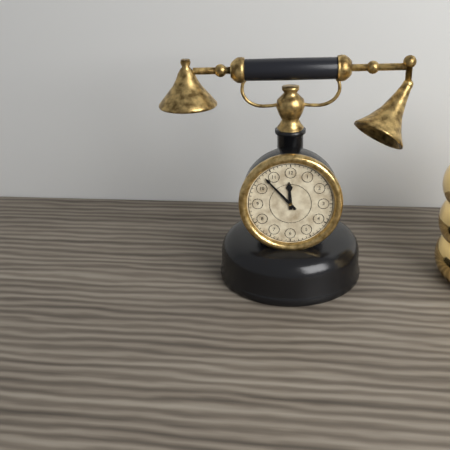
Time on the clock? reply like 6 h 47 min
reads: 11 h 53 min
